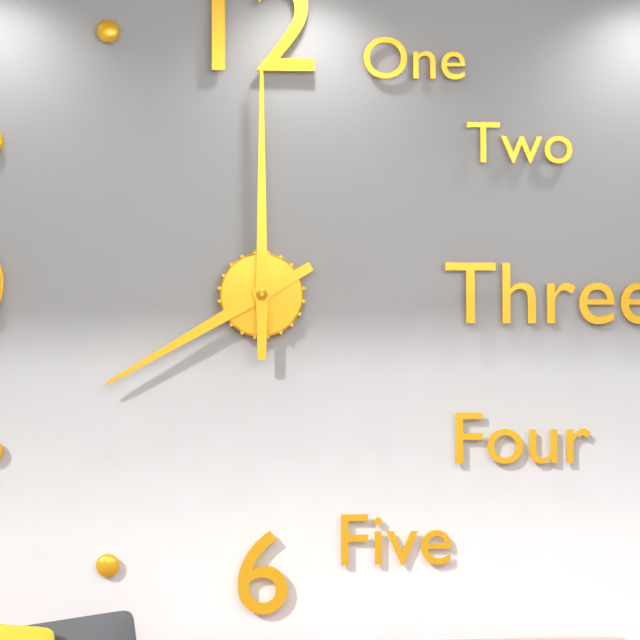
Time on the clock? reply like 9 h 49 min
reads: 8 h 00 min
